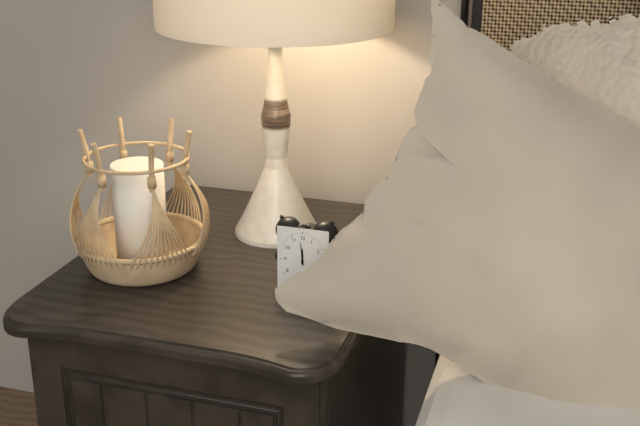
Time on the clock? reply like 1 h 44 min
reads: 11 h 59 min
